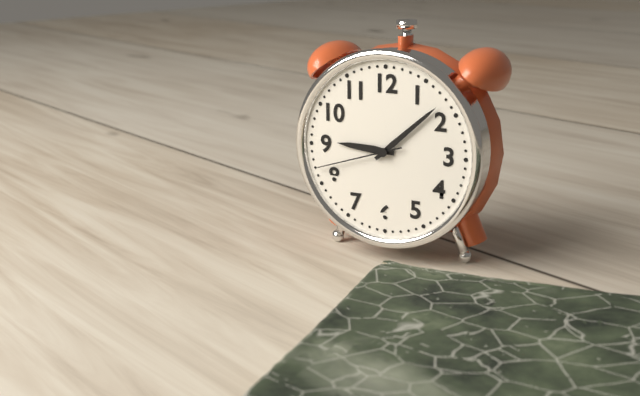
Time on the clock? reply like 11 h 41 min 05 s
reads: 9 h 08 min 42 s
